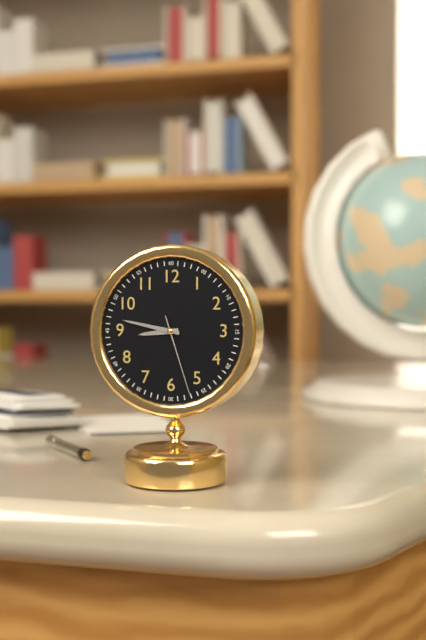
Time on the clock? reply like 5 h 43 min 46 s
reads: 8 h 47 min 27 s
